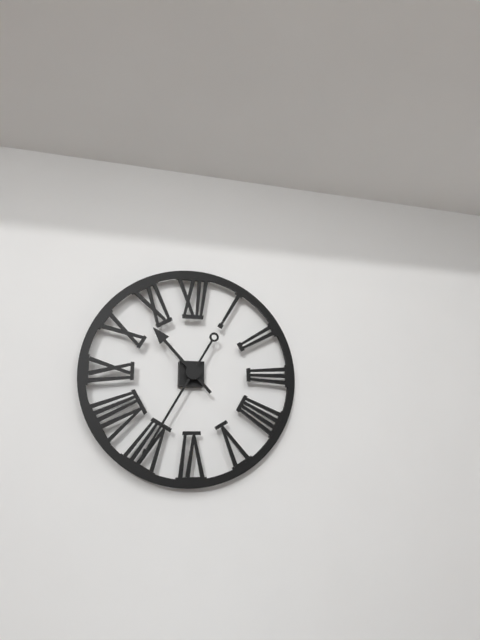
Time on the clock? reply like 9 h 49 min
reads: 10 h 35 min
